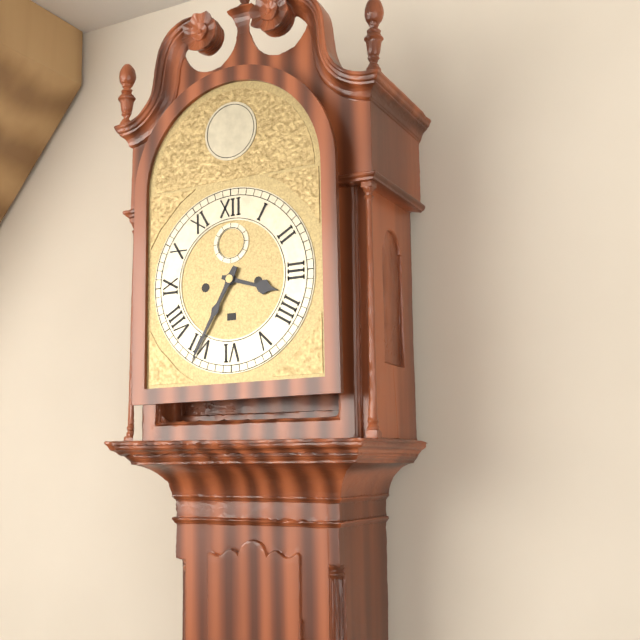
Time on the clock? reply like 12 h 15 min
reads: 3 h 35 min
